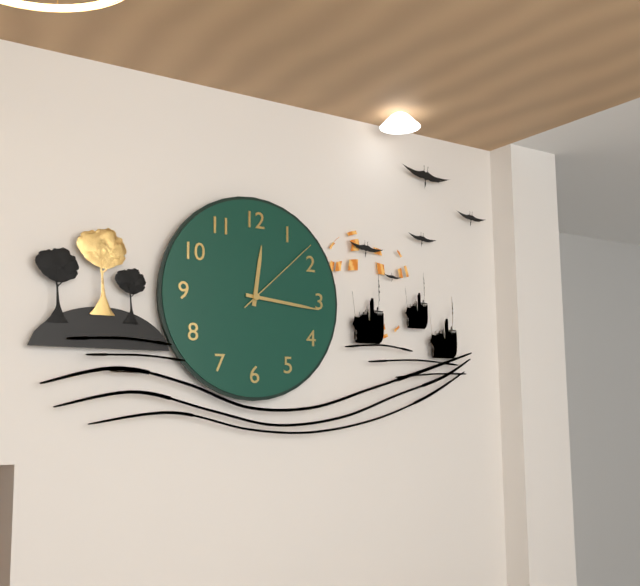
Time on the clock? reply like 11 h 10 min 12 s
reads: 12 h 16 min 08 s
